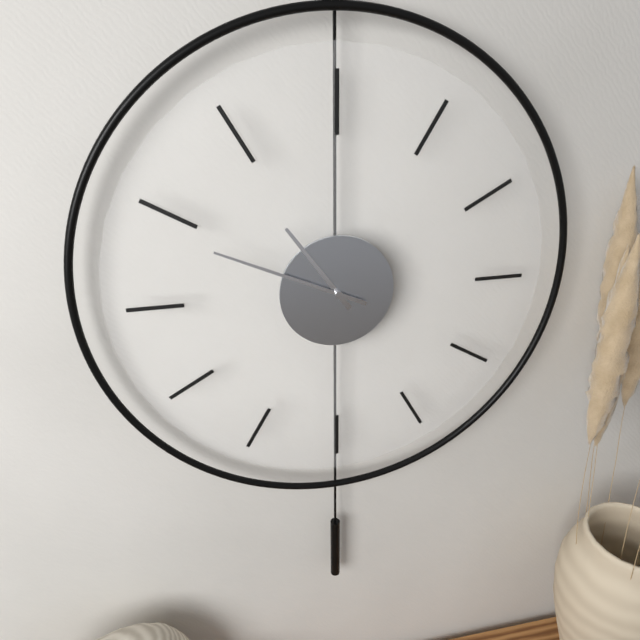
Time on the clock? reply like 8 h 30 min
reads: 10 h 49 min
